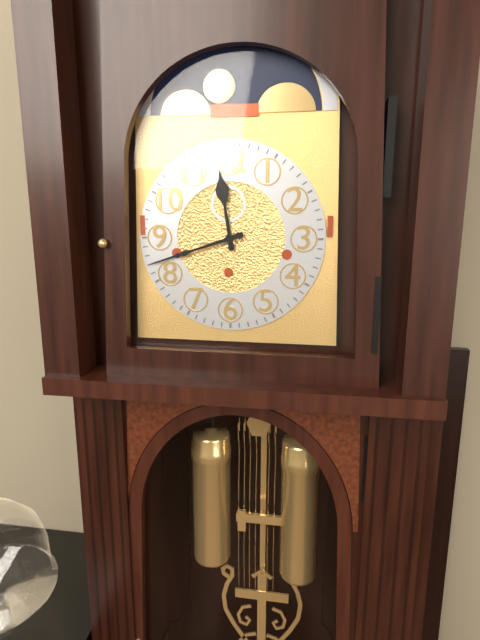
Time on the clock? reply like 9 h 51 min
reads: 11 h 42 min
